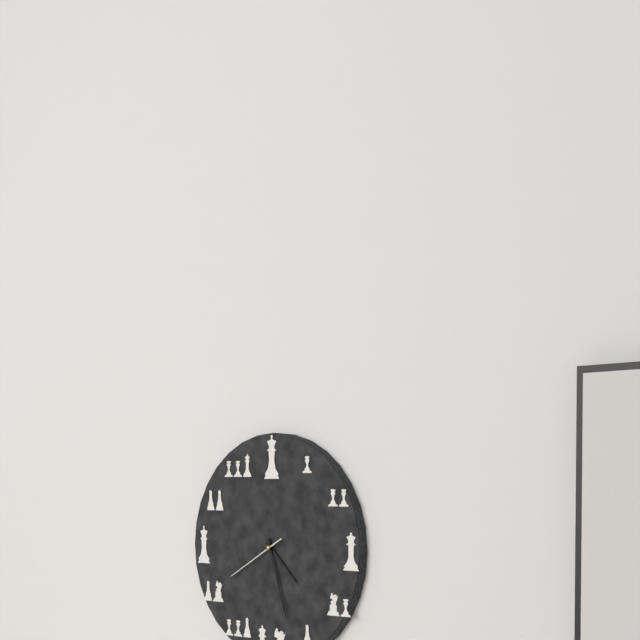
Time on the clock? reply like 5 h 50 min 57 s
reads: 4 h 27 min 40 s
